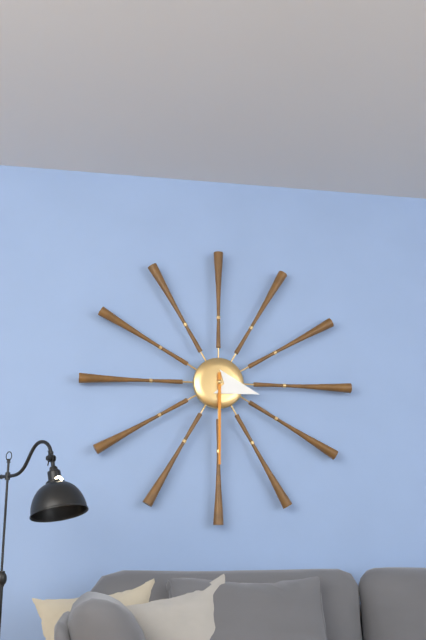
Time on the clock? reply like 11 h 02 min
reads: 3 h 30 min
